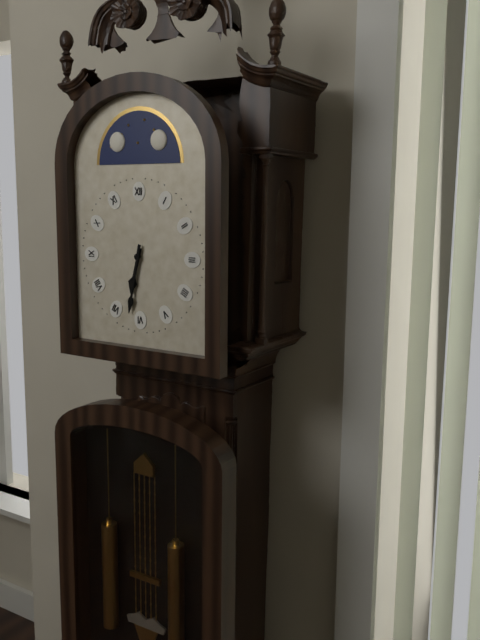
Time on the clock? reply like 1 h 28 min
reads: 6 h 32 min
